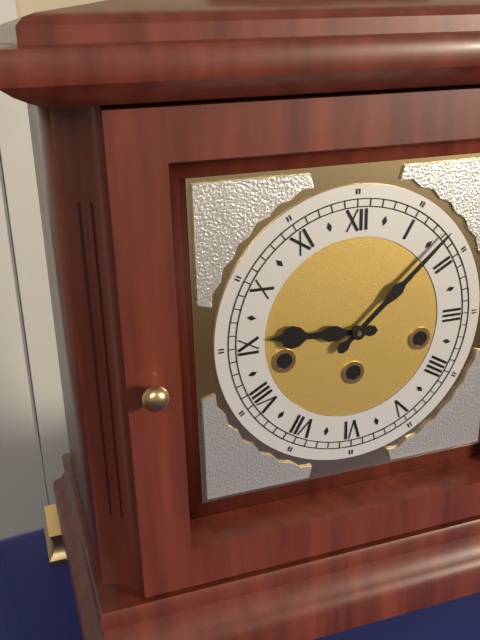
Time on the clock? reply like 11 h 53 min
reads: 9 h 08 min
